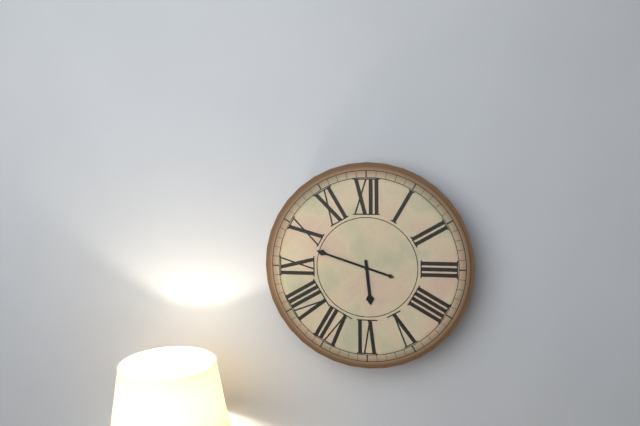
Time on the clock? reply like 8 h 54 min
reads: 5 h 48 min
